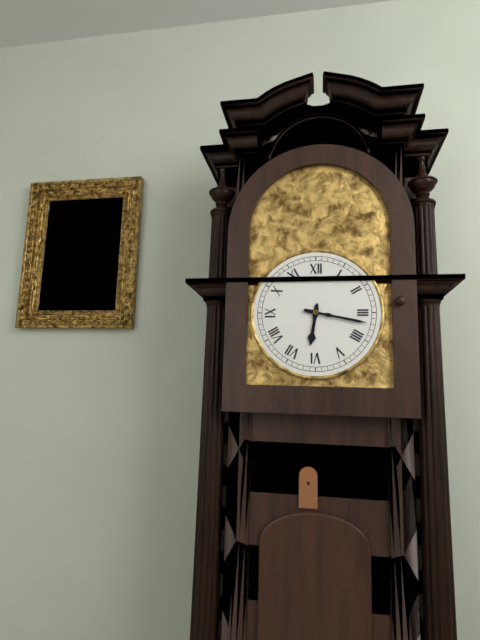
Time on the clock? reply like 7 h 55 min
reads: 6 h 17 min
